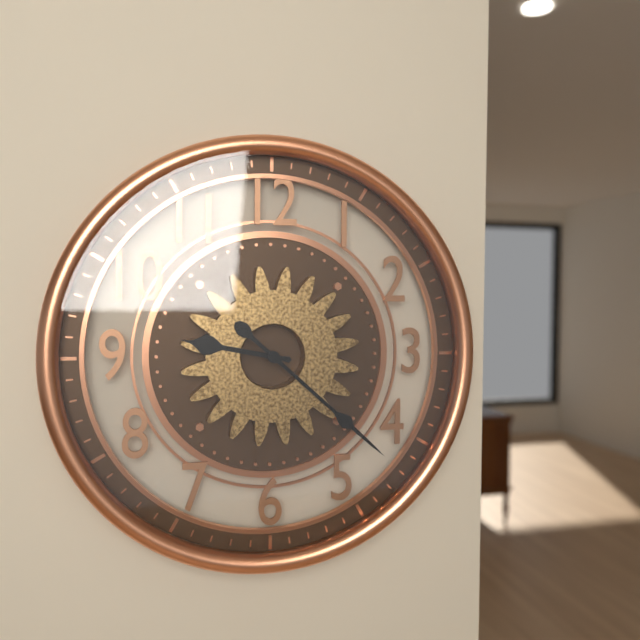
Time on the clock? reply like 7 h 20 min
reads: 9 h 22 min
